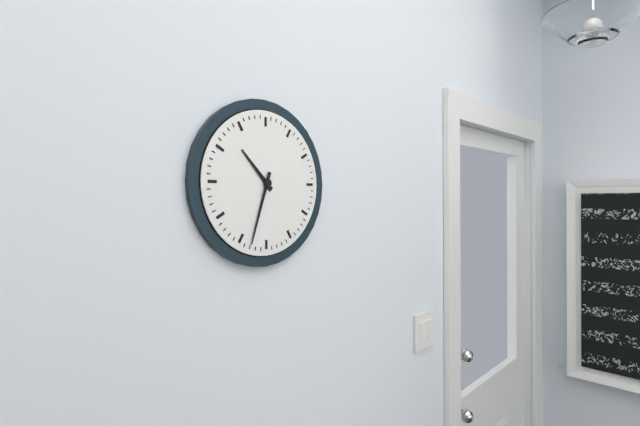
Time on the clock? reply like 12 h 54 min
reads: 10 h 33 min
